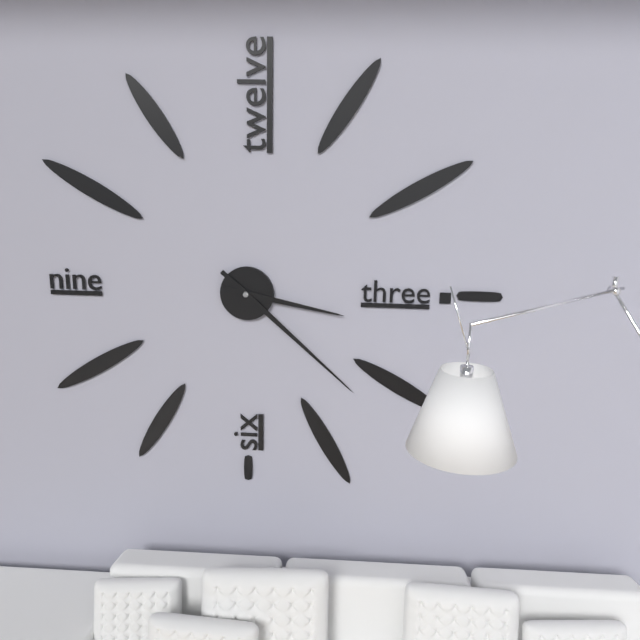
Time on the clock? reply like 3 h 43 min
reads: 3 h 22 min
